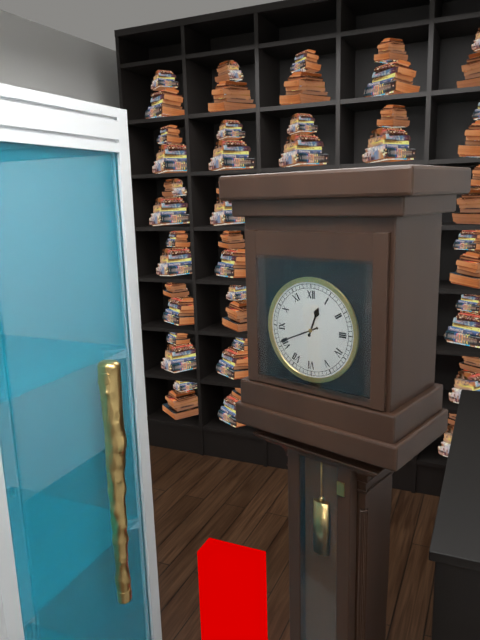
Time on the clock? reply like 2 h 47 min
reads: 12 h 41 min
